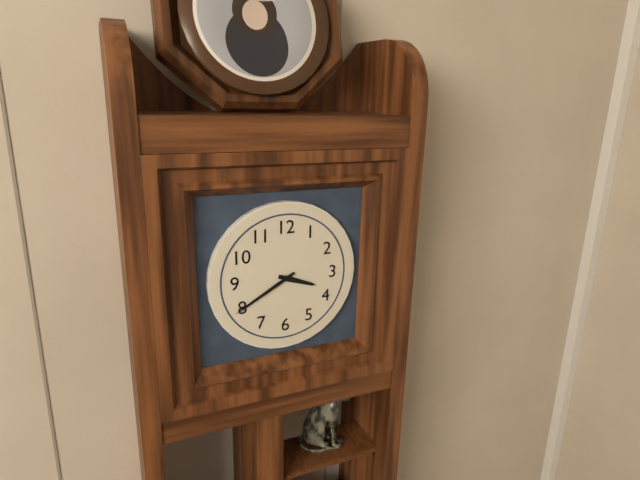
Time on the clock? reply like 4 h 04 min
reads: 3 h 40 min
